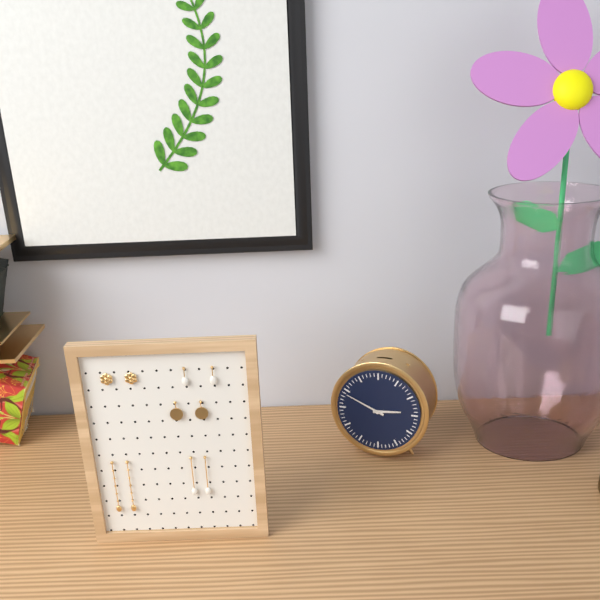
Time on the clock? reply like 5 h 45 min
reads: 2 h 49 min
